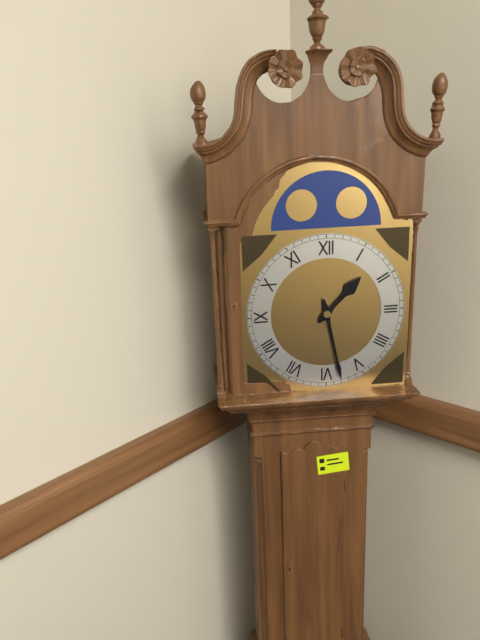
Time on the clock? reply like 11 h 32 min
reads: 1 h 28 min
